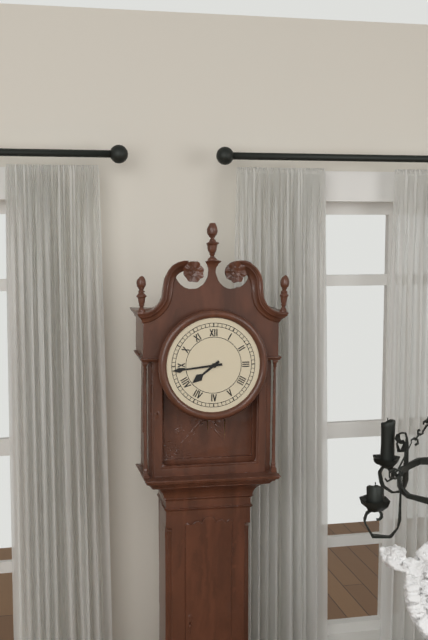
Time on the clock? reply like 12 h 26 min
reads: 7 h 44 min
